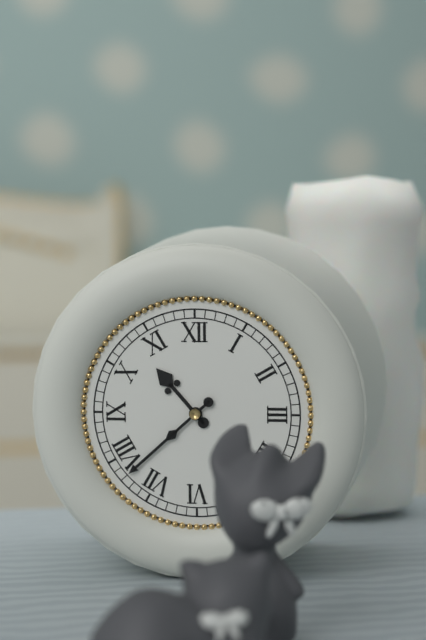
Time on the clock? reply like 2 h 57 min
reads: 10 h 38 min
